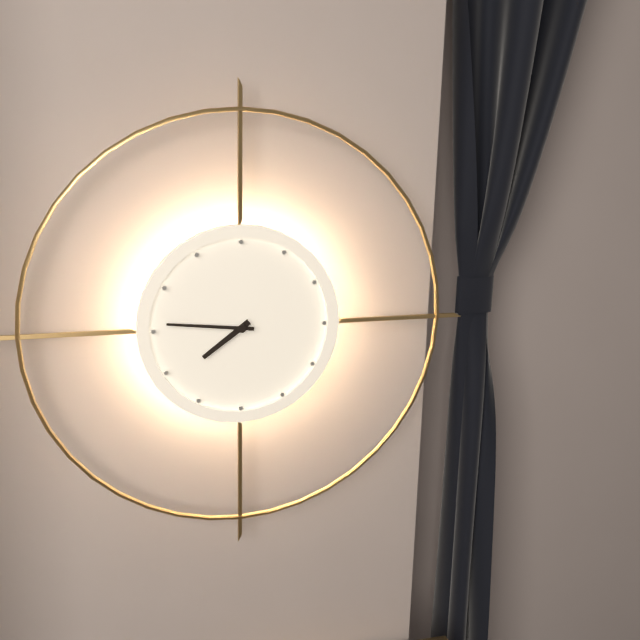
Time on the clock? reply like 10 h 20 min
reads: 7 h 46 min
